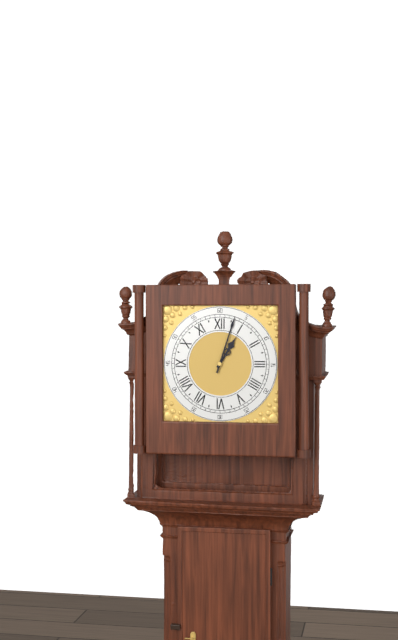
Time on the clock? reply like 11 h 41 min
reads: 1 h 03 min
